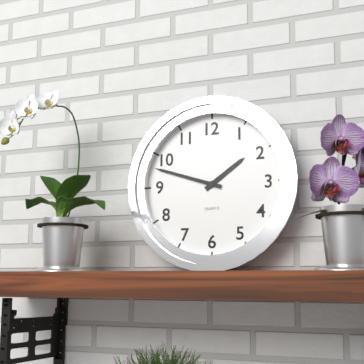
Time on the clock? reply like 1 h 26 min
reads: 1 h 48 min
